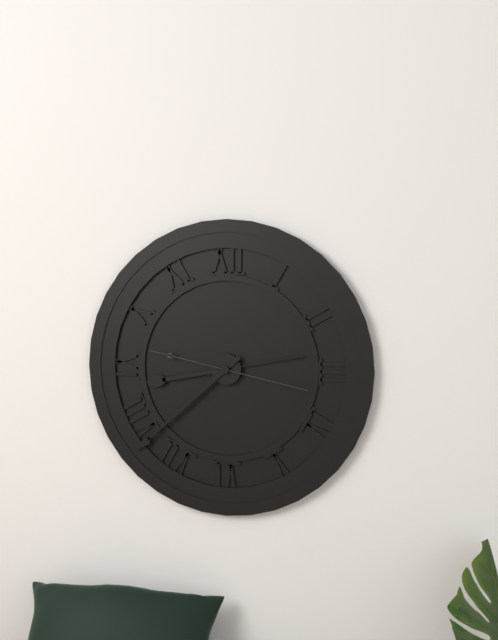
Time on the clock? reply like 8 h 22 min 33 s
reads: 8 h 38 min 17 s
